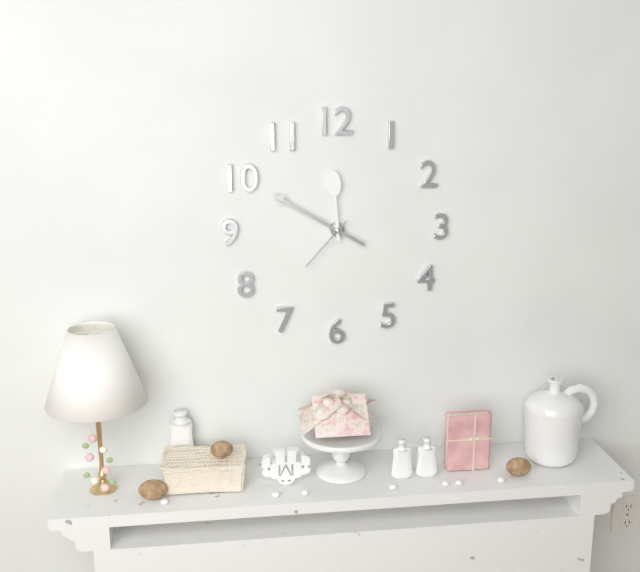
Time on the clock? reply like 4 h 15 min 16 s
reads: 11 h 50 min 37 s
